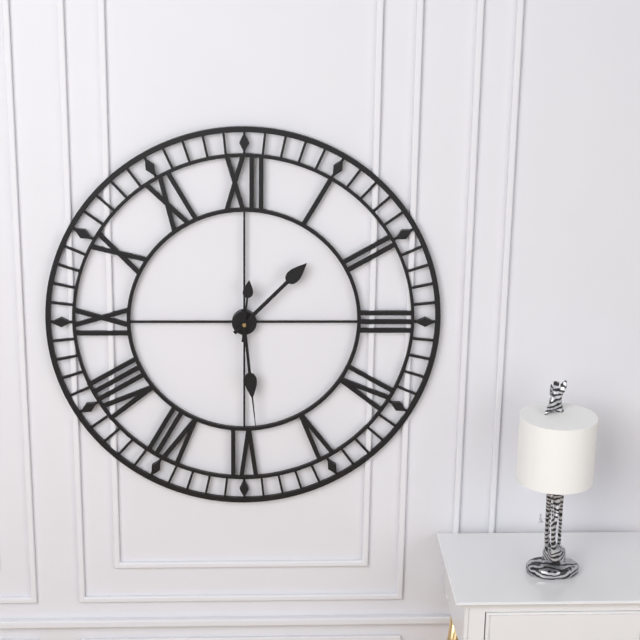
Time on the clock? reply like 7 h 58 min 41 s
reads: 1 h 29 min 01 s
